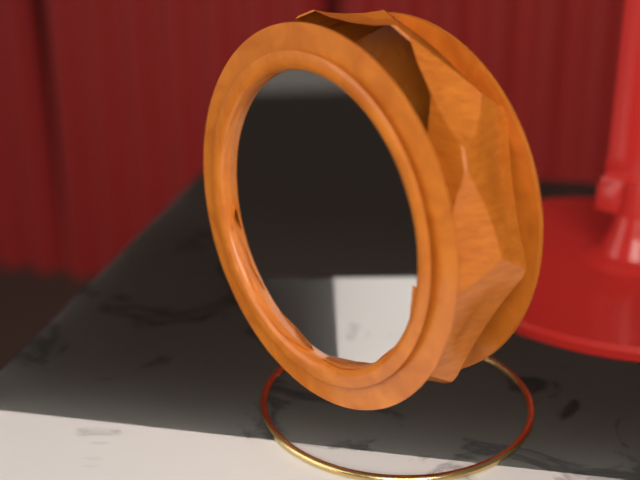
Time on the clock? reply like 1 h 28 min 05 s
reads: 2 h 19 min 23 s
